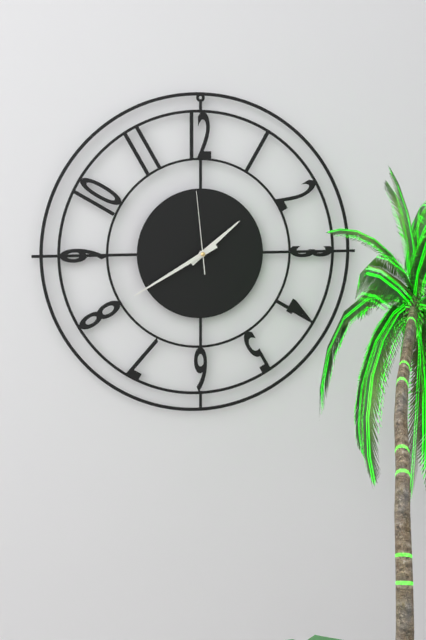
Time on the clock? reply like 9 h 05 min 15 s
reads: 1 h 40 min 59 s
